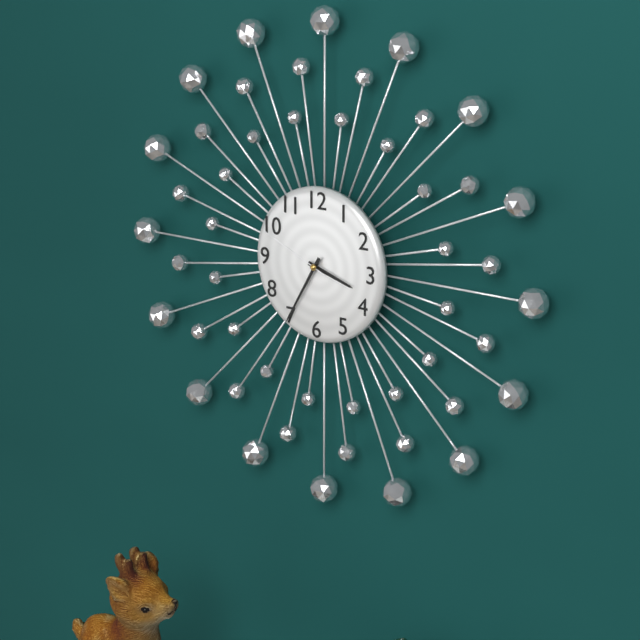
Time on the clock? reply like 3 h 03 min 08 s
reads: 3 h 35 min 49 s
